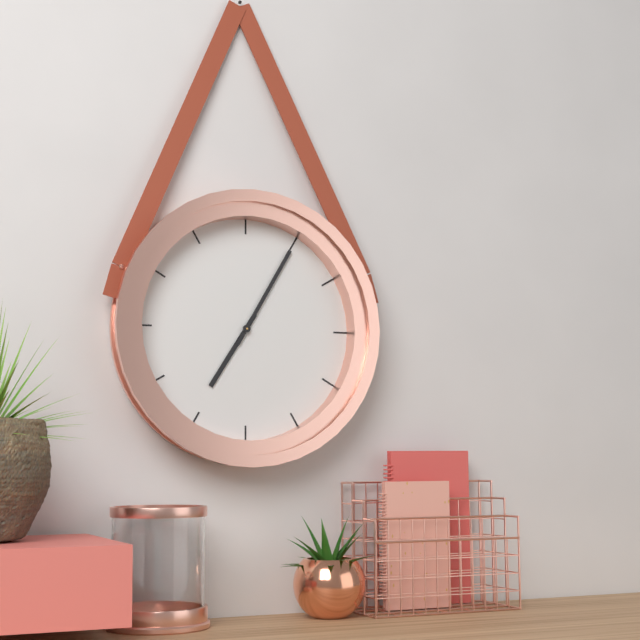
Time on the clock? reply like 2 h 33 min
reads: 7 h 05 min
